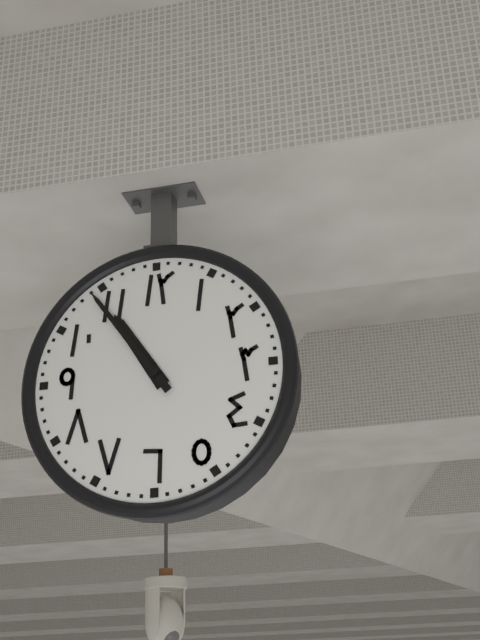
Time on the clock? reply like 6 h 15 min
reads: 10 h 54 min
